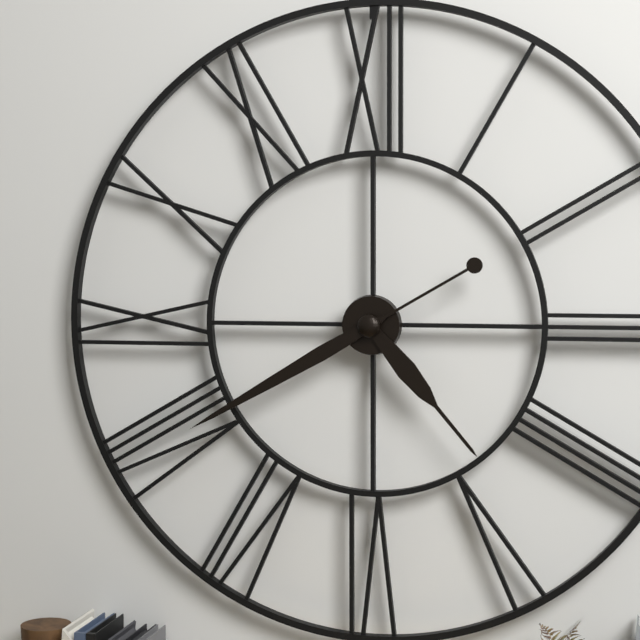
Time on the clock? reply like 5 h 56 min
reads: 4 h 40 min
